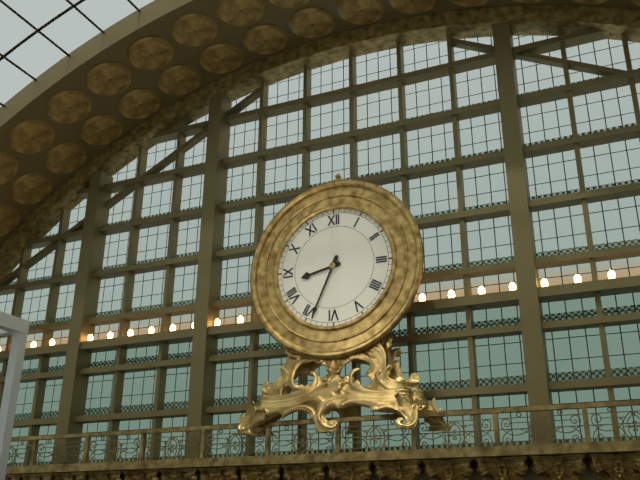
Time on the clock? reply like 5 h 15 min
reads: 8 h 34 min
